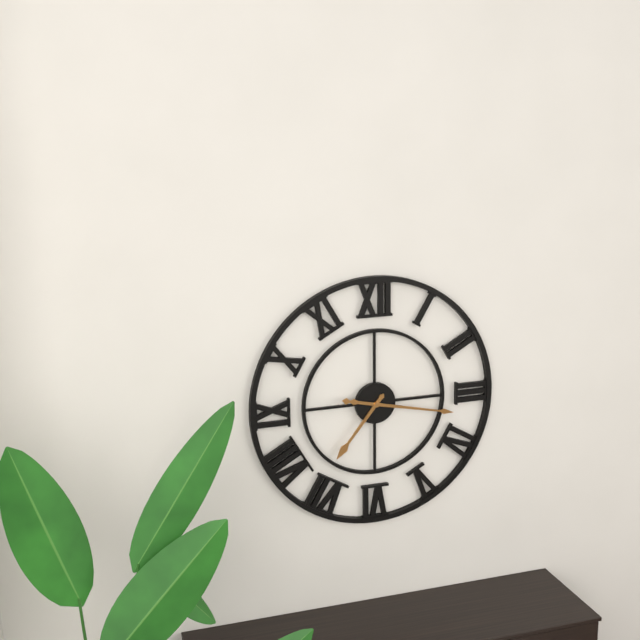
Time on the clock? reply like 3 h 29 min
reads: 7 h 17 min
